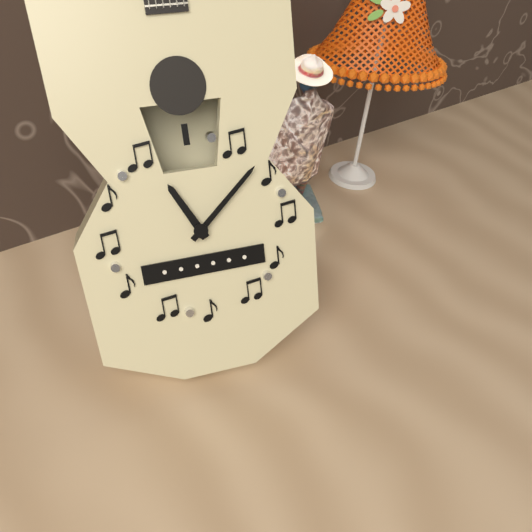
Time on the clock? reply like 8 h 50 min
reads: 11 h 08 min
